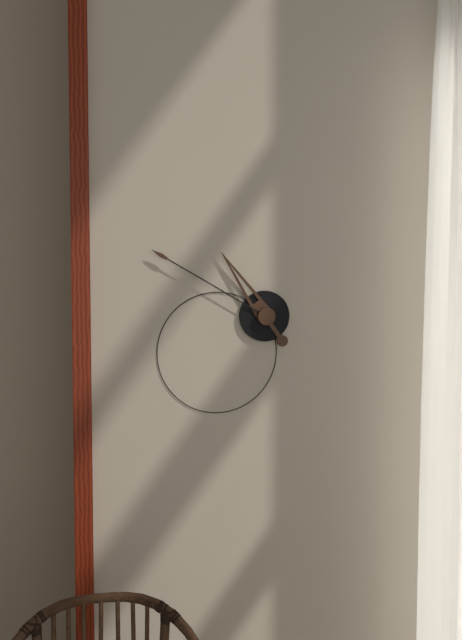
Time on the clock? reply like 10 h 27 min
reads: 10 h 50 min
